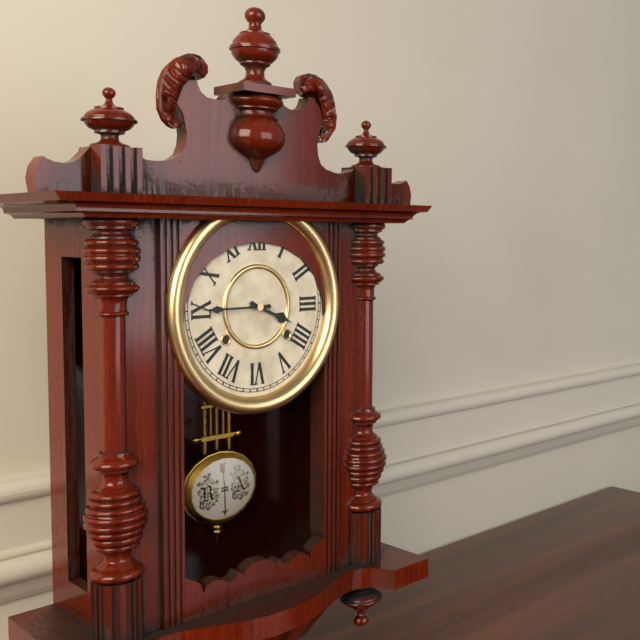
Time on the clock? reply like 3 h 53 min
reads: 3 h 45 min
